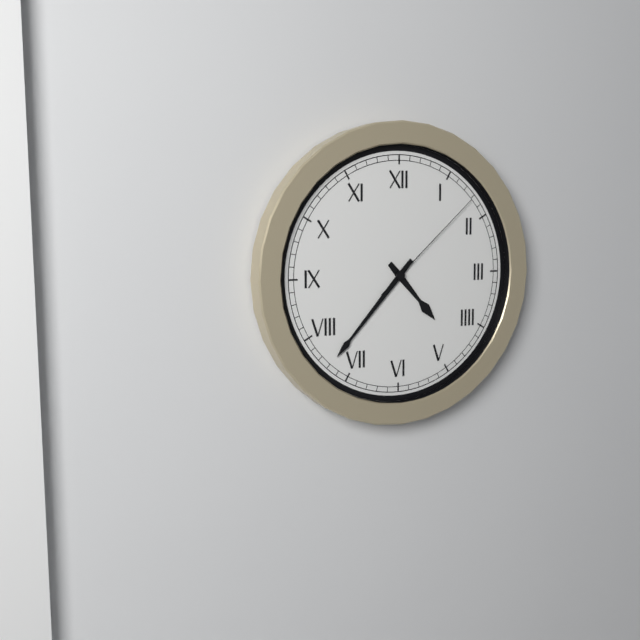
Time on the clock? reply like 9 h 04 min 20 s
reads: 4 h 37 min 08 s
